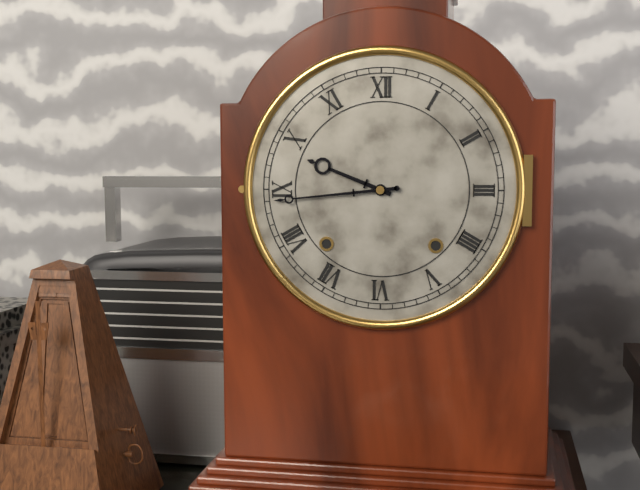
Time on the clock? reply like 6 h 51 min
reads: 9 h 44 min
